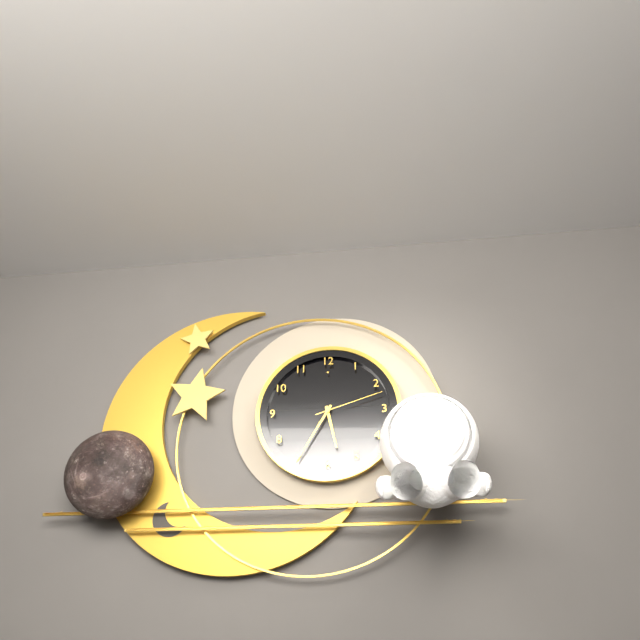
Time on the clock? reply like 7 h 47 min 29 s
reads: 5 h 35 min 12 s
